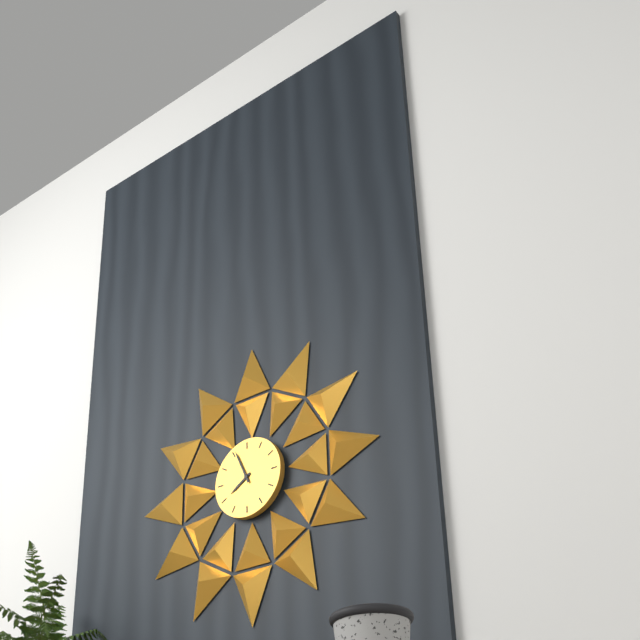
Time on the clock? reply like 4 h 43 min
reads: 7 h 56 min
